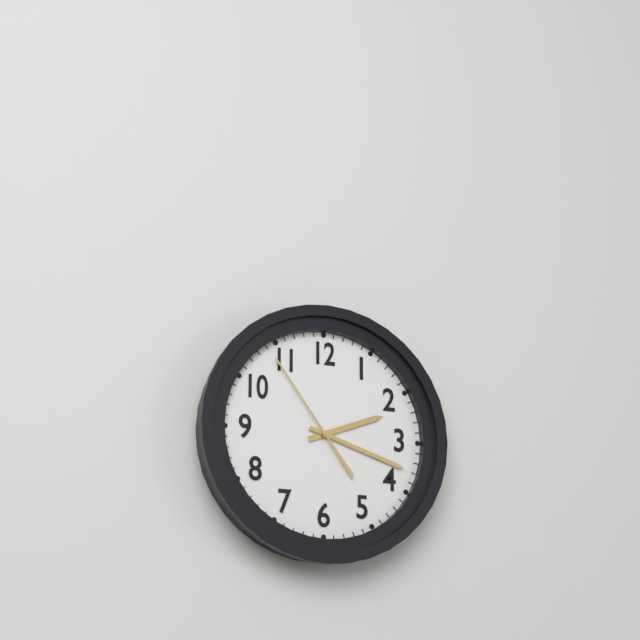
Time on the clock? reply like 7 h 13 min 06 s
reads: 2 h 18 min 54 s
